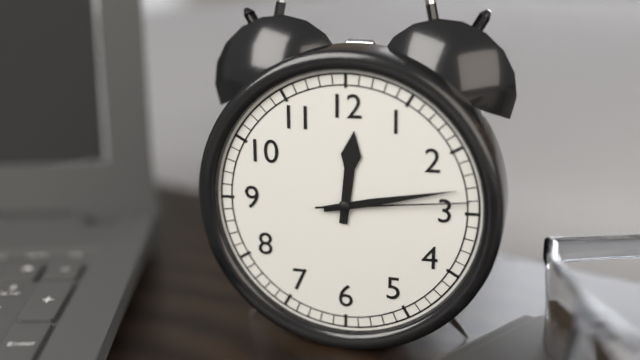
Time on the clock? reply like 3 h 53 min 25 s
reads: 12 h 13 min 14 s
